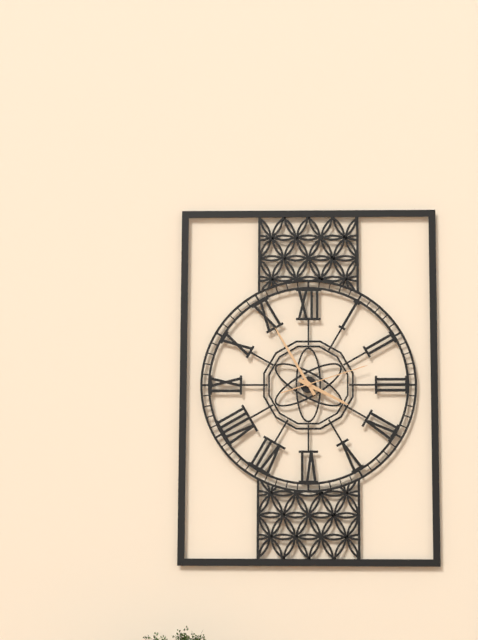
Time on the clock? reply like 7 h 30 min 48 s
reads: 3 h 55 min 12 s
